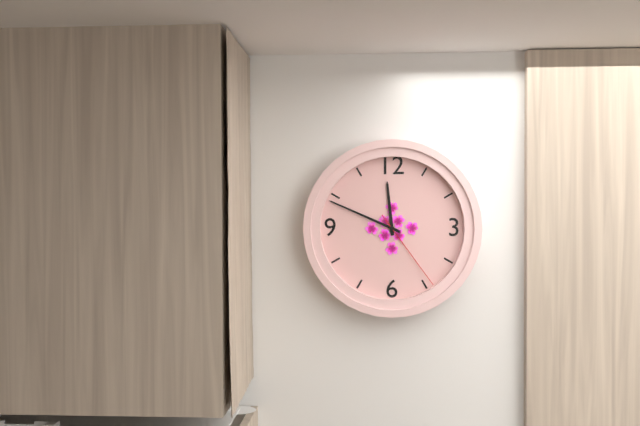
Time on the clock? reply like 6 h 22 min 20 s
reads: 11 h 49 min 24 s
